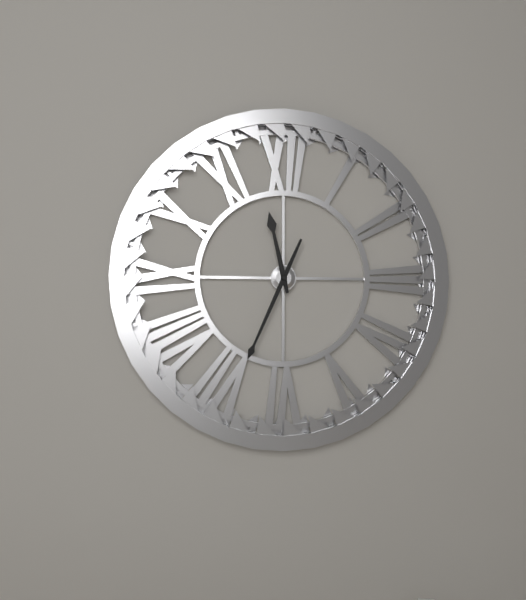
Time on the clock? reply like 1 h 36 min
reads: 11 h 34 min
